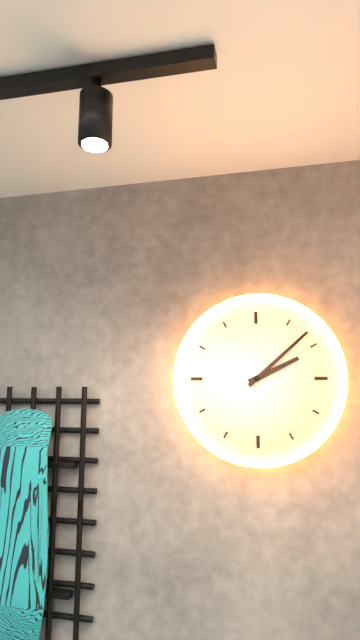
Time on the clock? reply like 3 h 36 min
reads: 2 h 08 min
